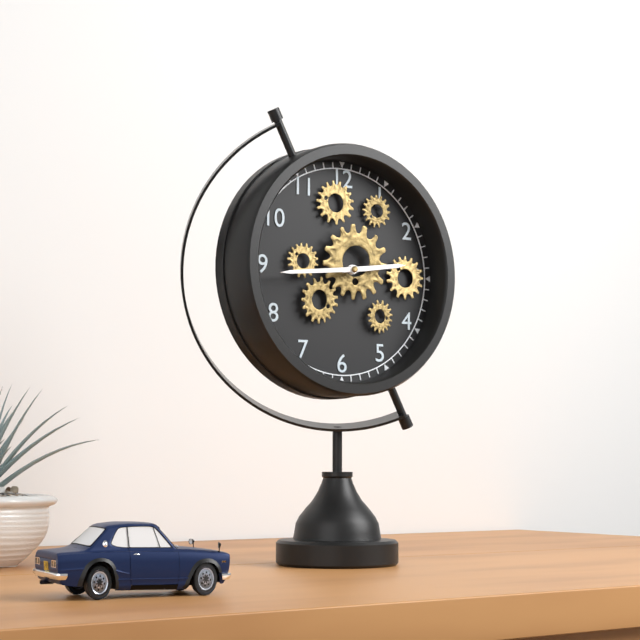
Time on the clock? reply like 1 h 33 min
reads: 2 h 44 min
